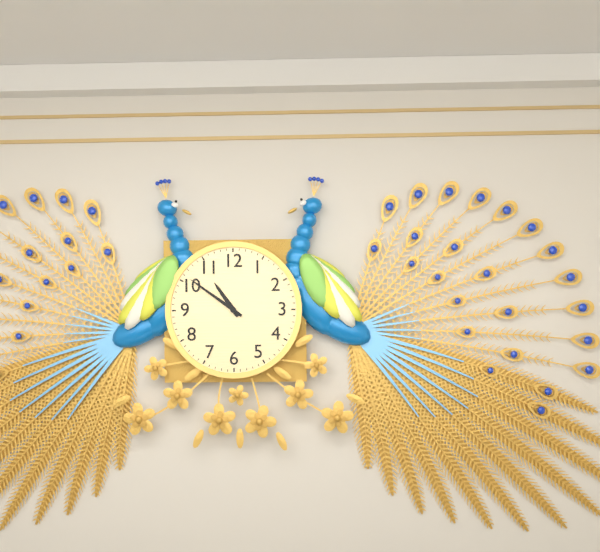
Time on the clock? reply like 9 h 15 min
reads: 10 h 51 min
